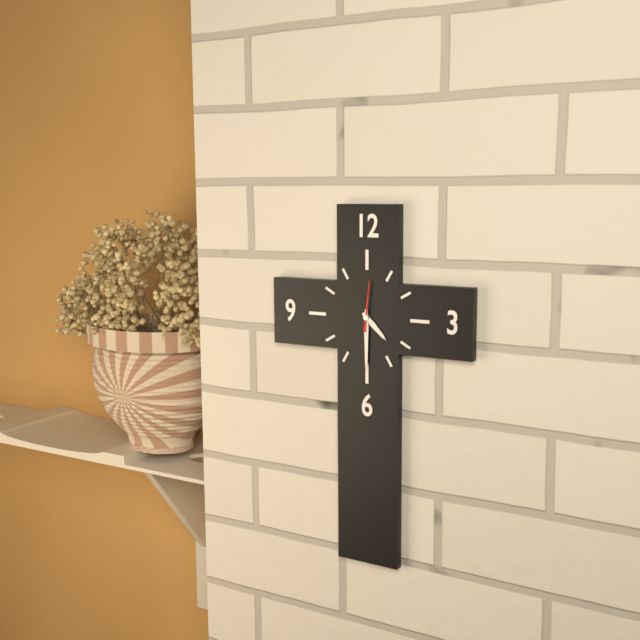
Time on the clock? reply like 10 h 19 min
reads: 4 h 30 min
